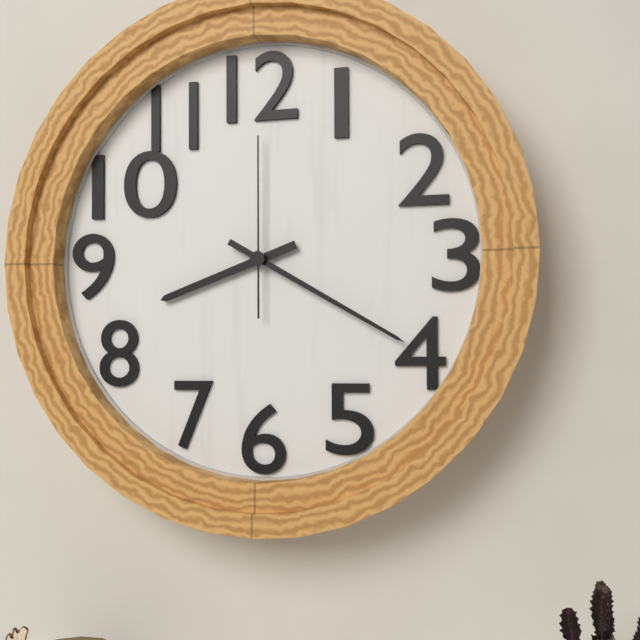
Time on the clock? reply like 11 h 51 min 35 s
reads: 8 h 20 min 00 s
